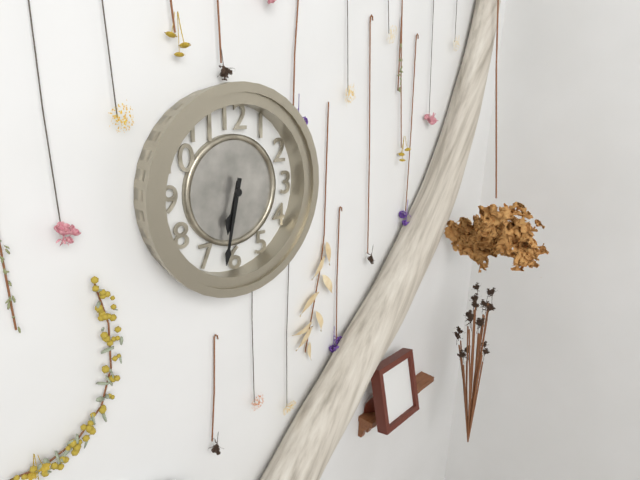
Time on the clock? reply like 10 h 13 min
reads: 6 h 32 min
